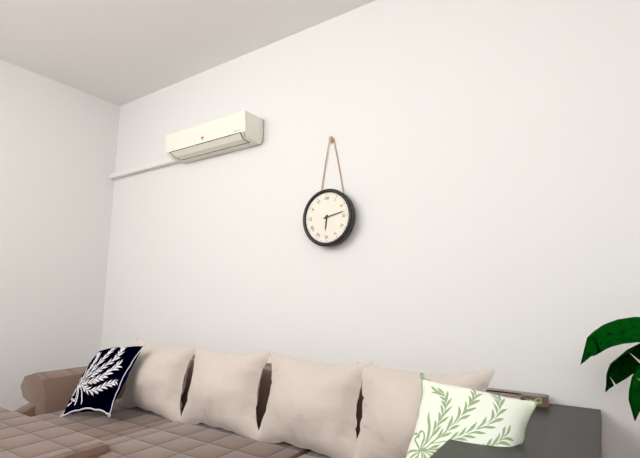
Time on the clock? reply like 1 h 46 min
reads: 6 h 13 min
